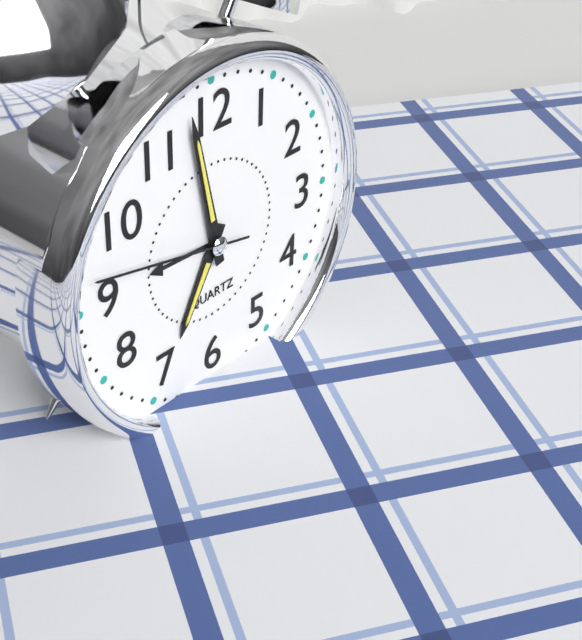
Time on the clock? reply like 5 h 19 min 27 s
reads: 6 h 58 min 47 s
